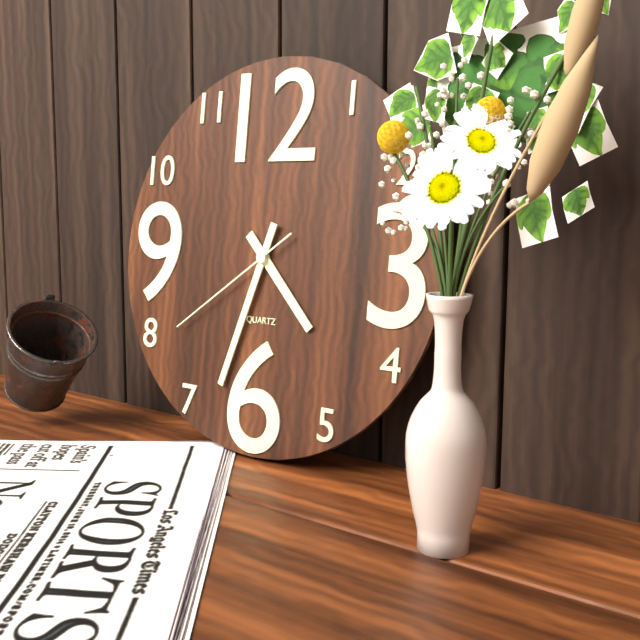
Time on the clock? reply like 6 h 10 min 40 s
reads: 4 h 33 min 39 s
